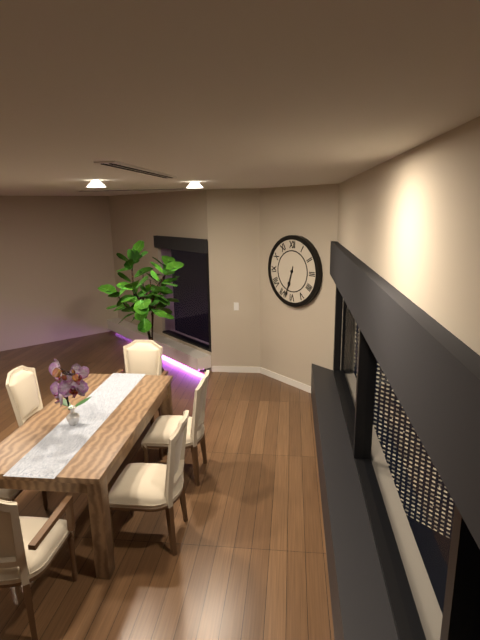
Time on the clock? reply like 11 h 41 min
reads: 6 h 33 min
